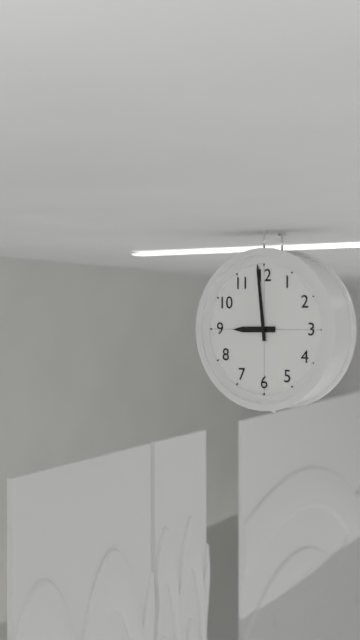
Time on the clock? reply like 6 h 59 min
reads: 8 h 59 min
